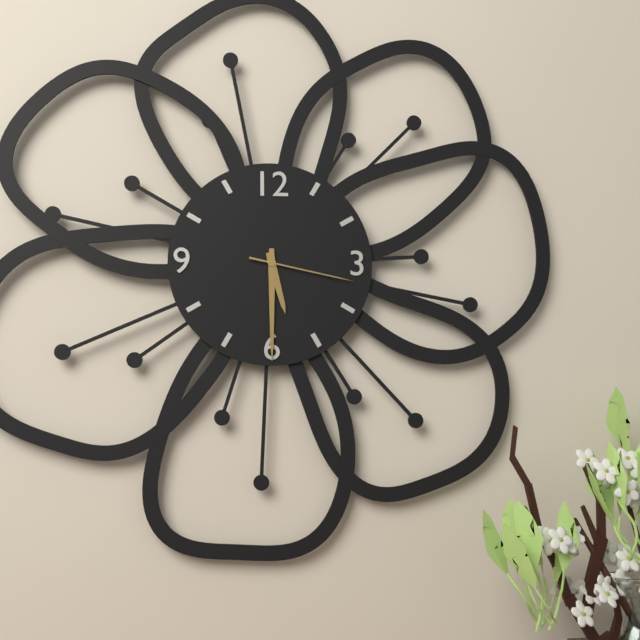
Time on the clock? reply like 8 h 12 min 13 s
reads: 5 h 30 min 17 s
